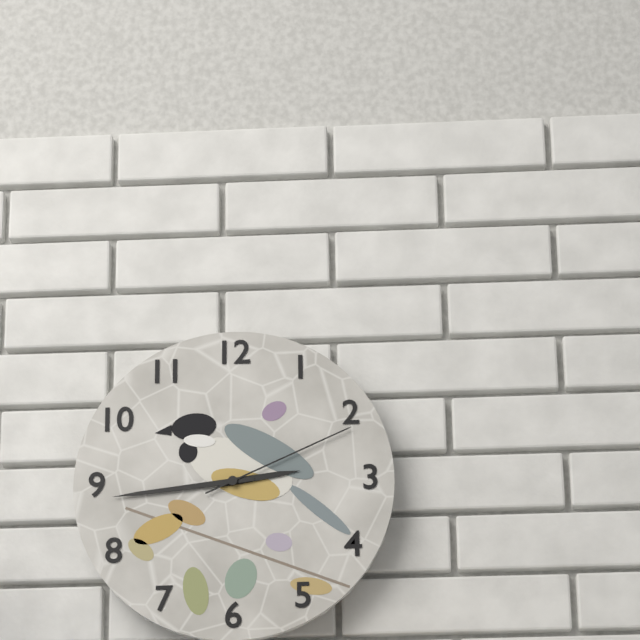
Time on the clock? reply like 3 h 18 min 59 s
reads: 2 h 44 min 11 s
